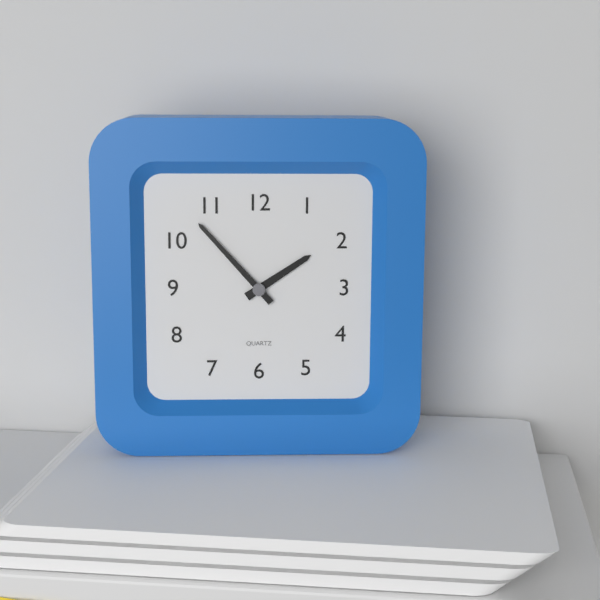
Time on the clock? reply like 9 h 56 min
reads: 1 h 53 min
